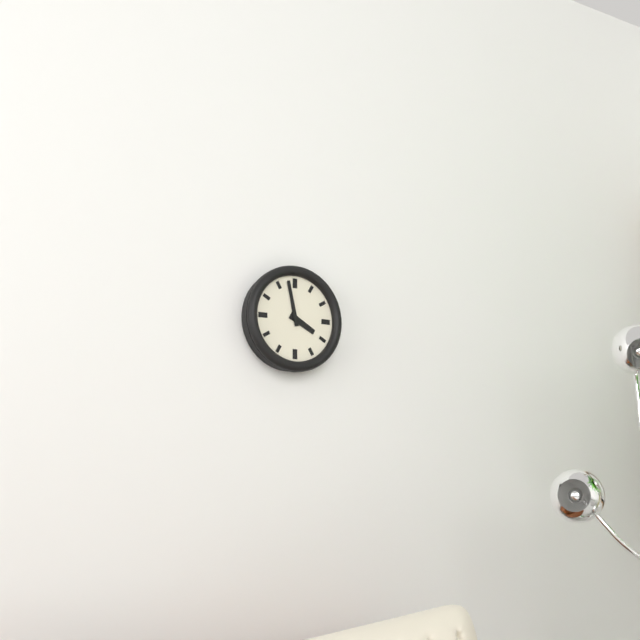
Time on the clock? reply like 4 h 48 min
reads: 3 h 58 min
